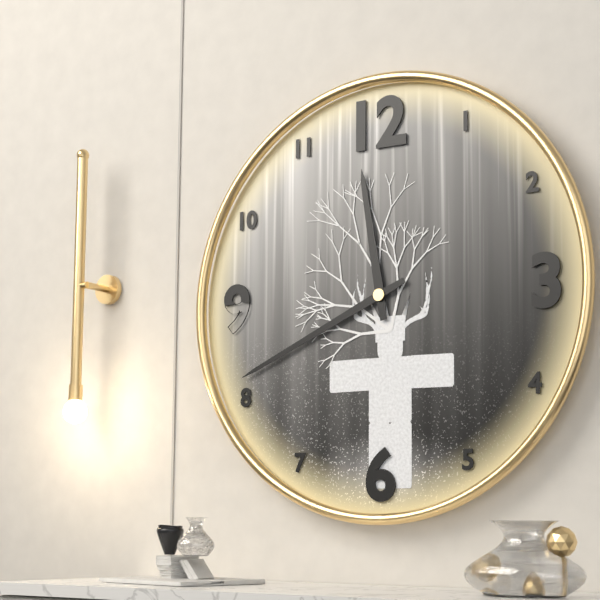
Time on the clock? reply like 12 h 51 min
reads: 11 h 41 min
